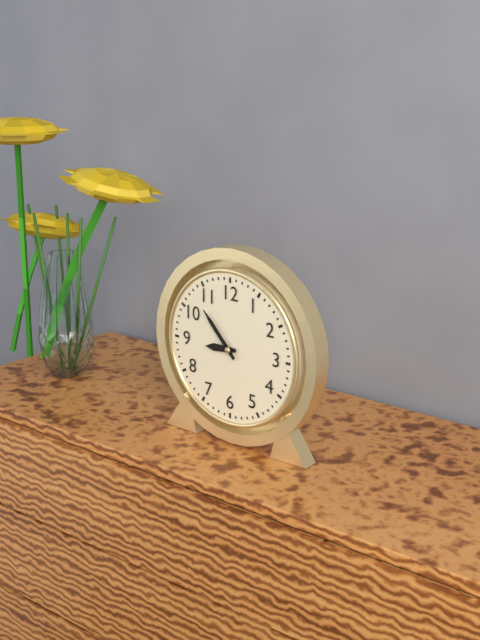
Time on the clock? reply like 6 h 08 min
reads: 8 h 53 min
